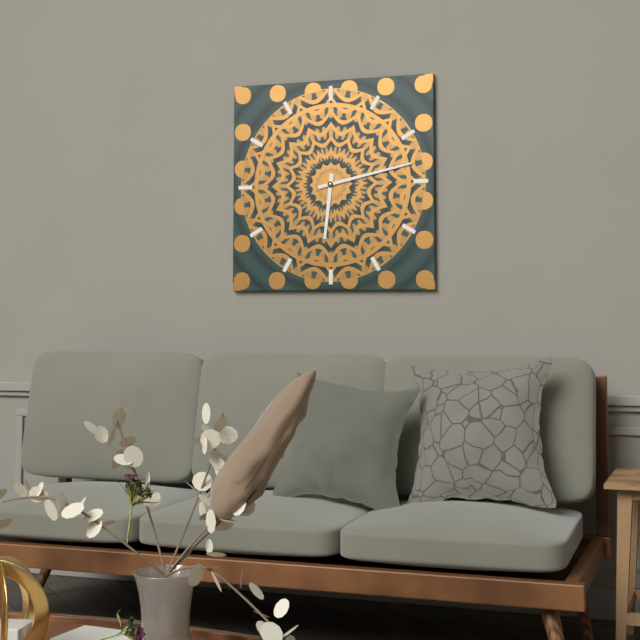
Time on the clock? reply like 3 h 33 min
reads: 6 h 13 min
